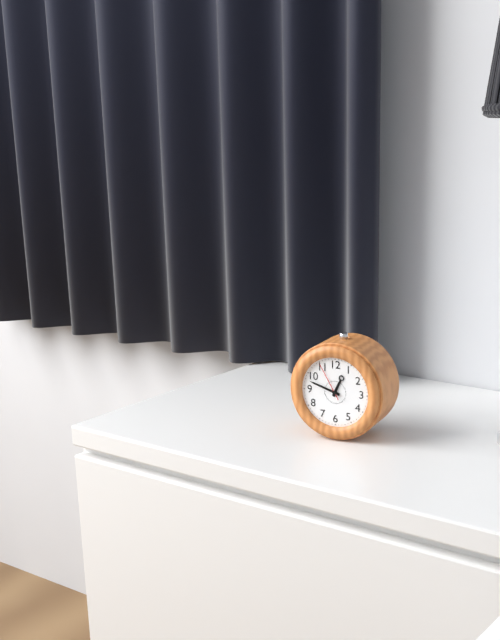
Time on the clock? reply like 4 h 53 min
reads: 12 h 48 min
